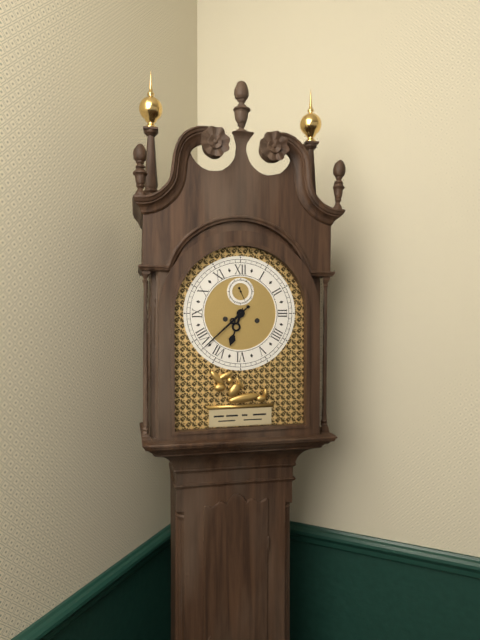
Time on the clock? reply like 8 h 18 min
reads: 6 h 38 min
